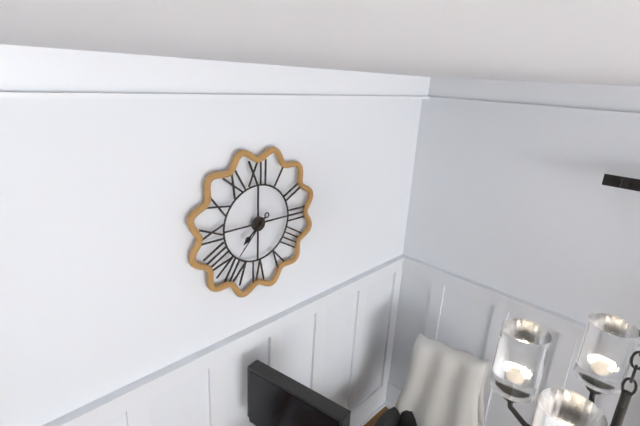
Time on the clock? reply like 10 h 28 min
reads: 7 h 37 min
